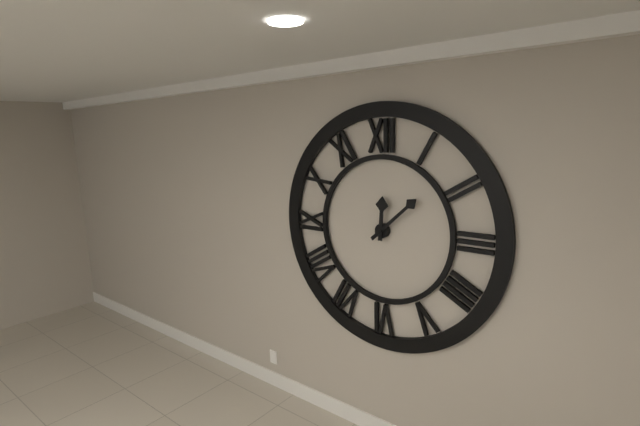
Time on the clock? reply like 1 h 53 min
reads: 12 h 08 min
